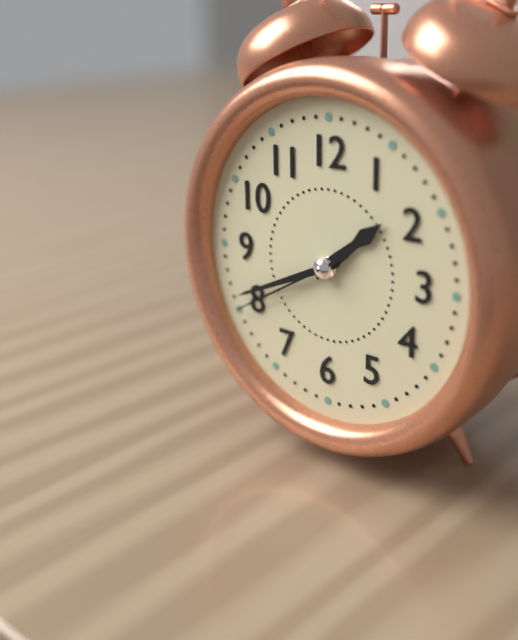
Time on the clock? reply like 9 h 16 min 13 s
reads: 1 h 41 min 40 s
